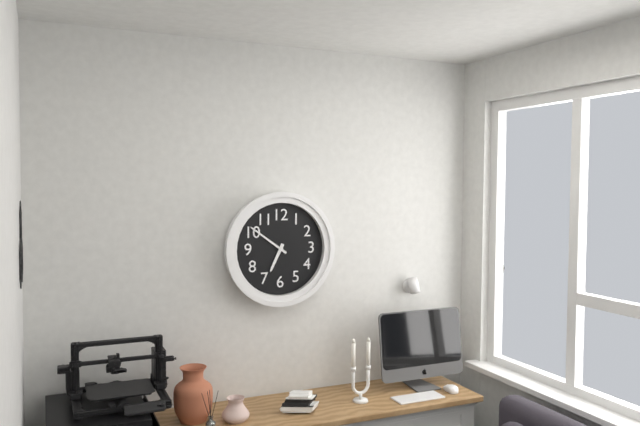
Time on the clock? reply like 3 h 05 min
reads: 6 h 51 min
